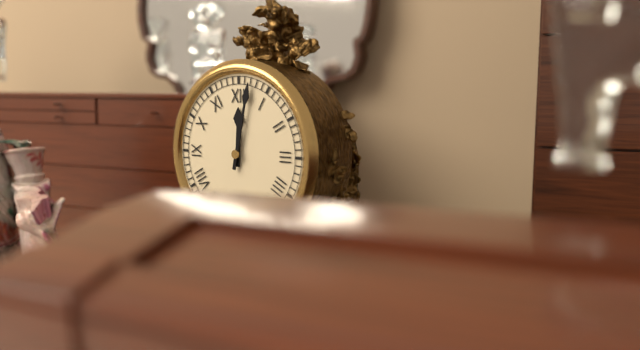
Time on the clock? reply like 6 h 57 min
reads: 12 h 02 min
